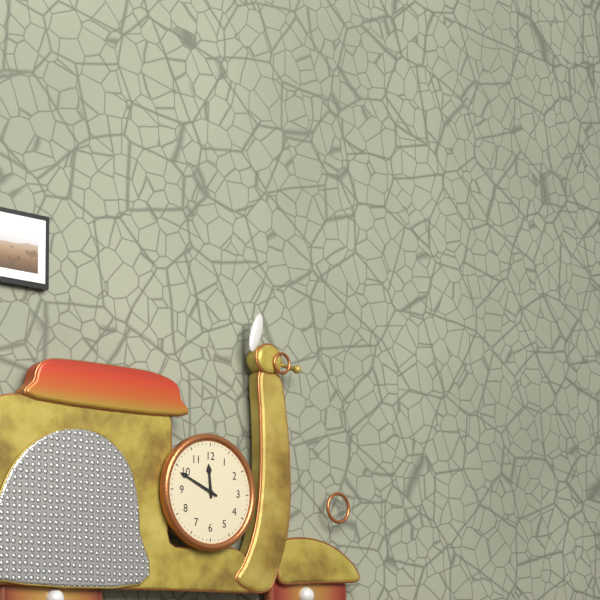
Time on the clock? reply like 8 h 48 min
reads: 11 h 49 min
